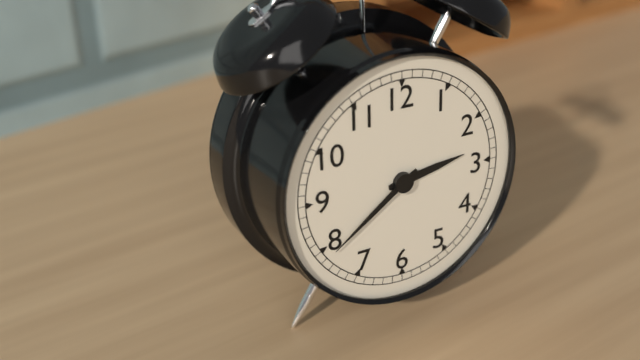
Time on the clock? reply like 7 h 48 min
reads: 2 h 39 min
